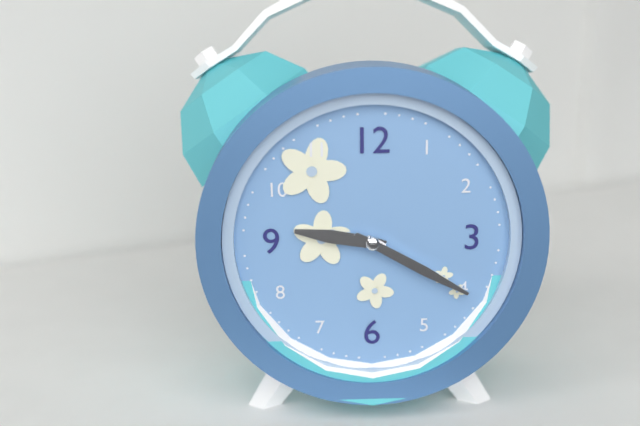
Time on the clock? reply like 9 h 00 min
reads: 9 h 20 min
